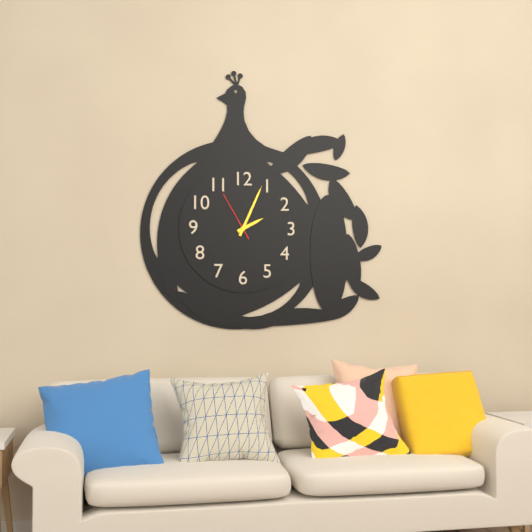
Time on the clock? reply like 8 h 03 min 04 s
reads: 2 h 04 min 55 s
